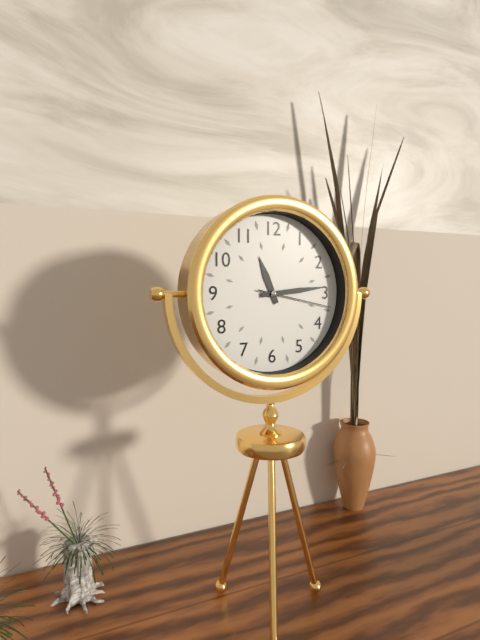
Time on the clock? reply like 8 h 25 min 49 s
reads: 11 h 14 min 17 s
